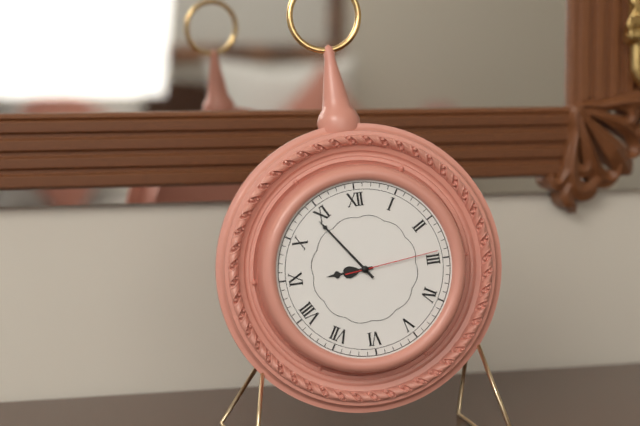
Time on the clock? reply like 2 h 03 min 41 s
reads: 8 h 54 min 14 s
